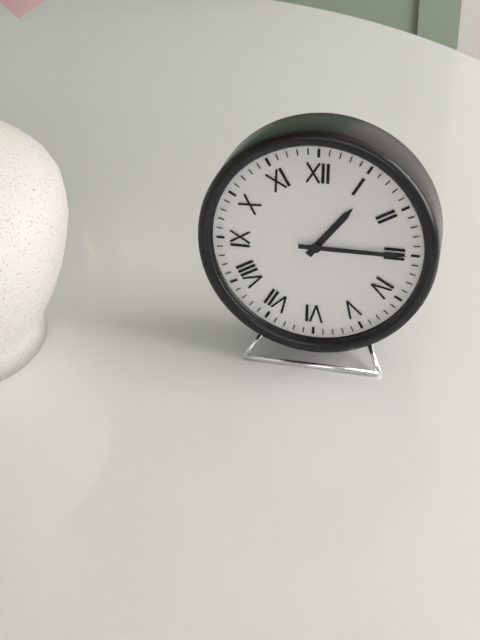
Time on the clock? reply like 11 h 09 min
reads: 1 h 15 min
